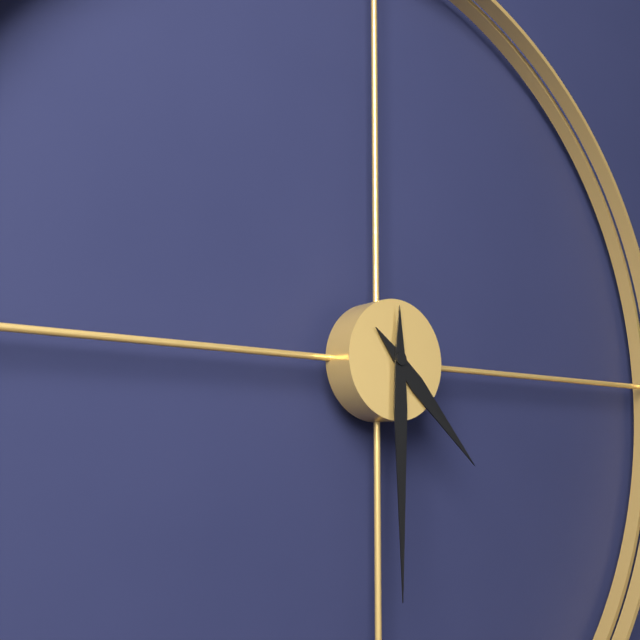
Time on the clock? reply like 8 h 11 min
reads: 4 h 30 min
